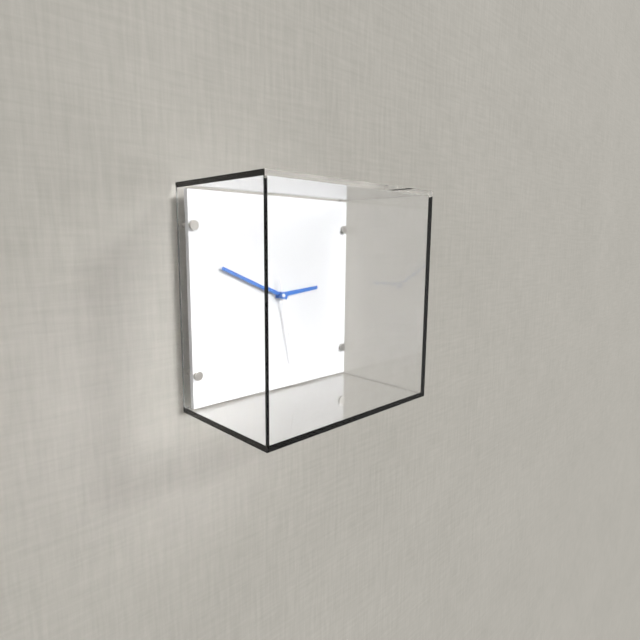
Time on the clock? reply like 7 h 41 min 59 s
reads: 2 h 49 min 28 s
